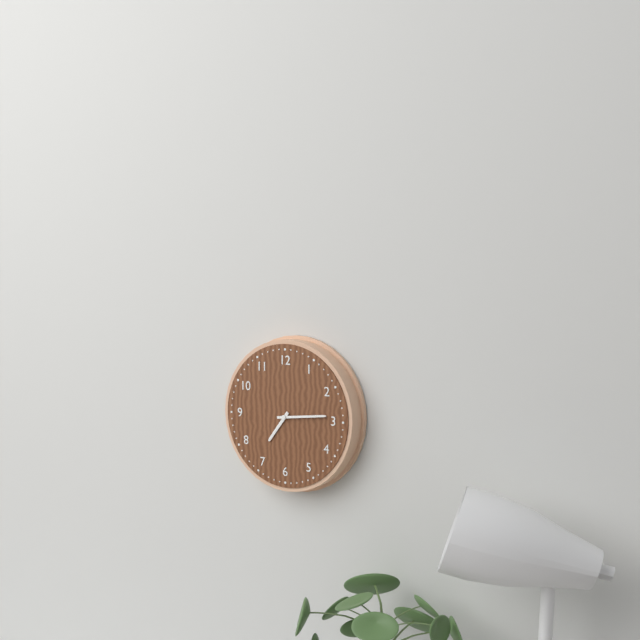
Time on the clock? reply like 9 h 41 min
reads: 7 h 14 min
